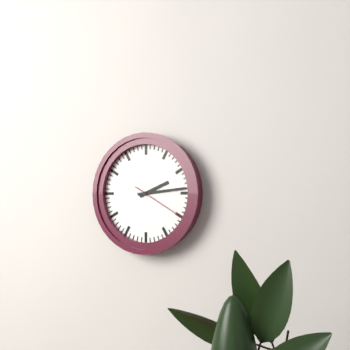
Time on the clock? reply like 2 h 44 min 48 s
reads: 2 h 14 min 20 s
